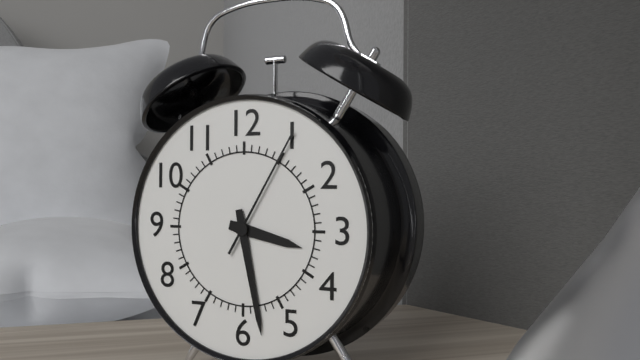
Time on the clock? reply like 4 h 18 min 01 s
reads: 3 h 28 min 05 s
